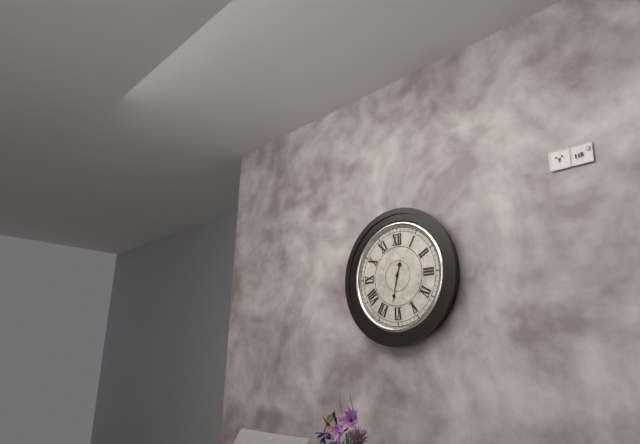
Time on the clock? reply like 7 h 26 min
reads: 12 h 32 min
